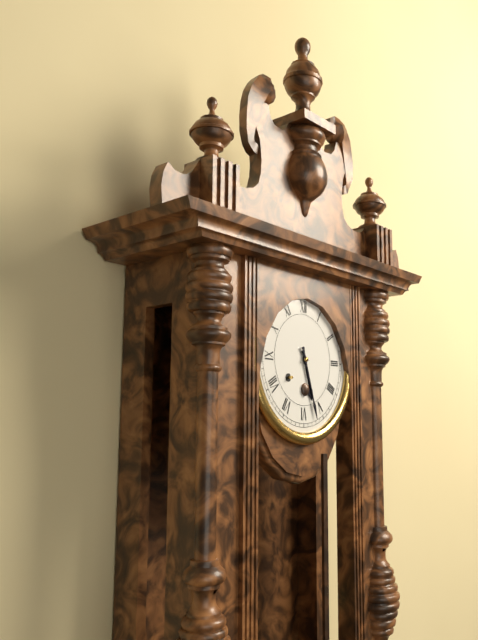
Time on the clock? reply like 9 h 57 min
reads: 5 h 27 min
